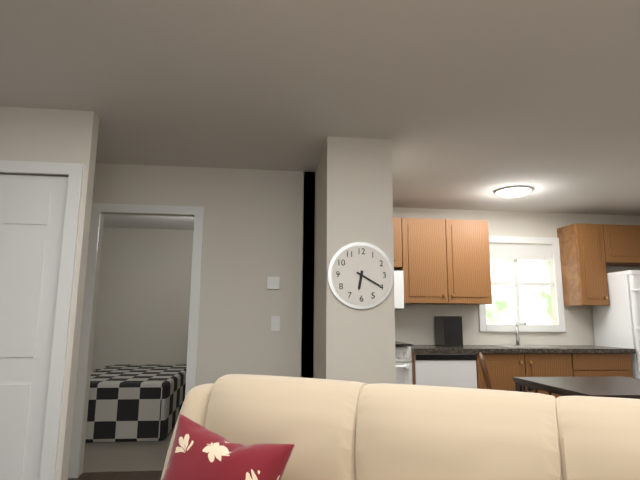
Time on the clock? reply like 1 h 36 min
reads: 6 h 20 min
